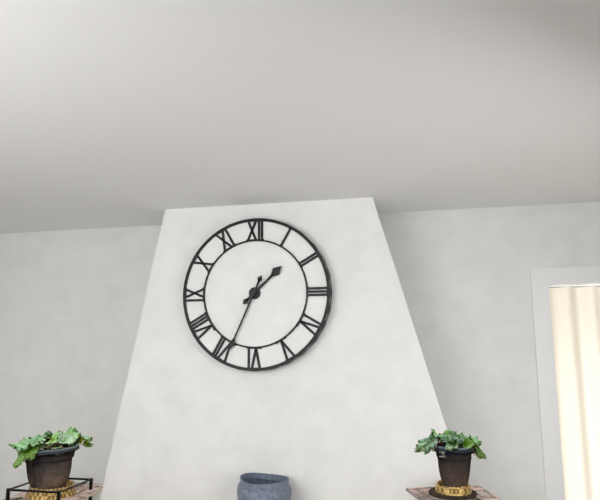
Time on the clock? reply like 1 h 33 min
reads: 1 h 34 min
